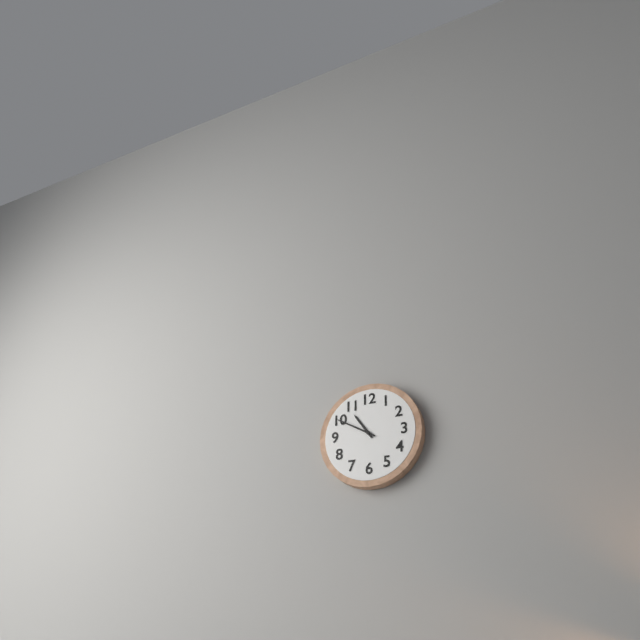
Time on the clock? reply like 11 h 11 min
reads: 10 h 50 min
